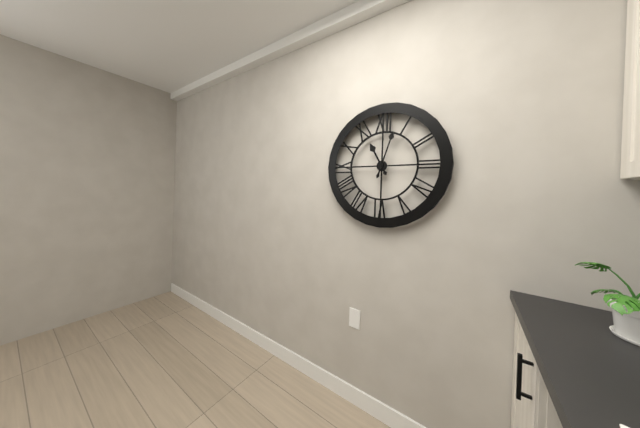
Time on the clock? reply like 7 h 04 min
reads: 11 h 03 min
